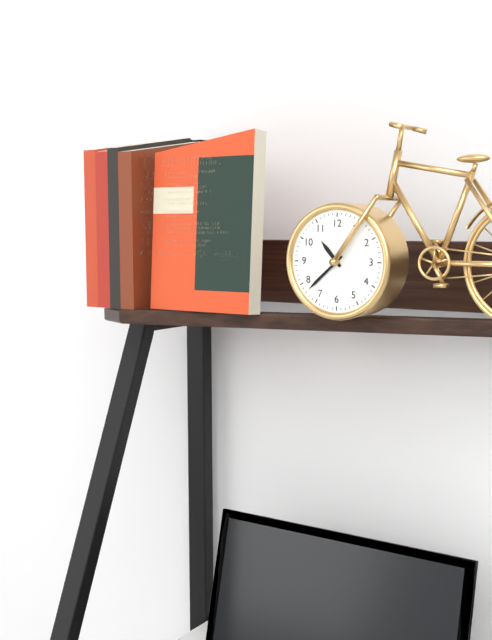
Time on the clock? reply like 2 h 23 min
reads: 10 h 38 min
